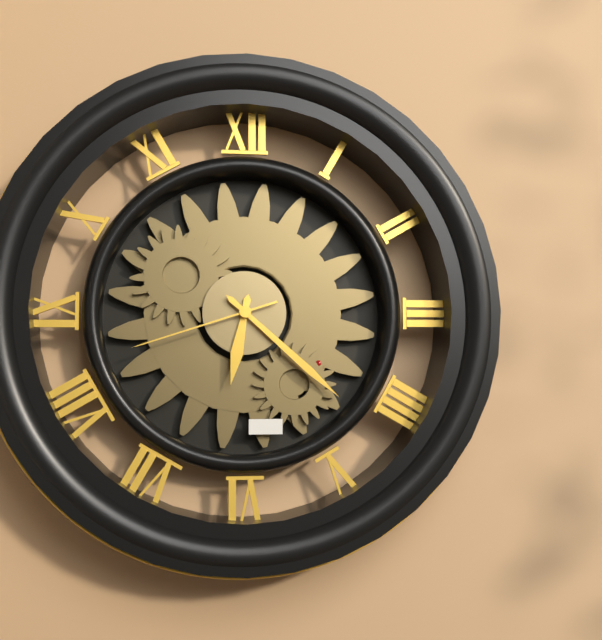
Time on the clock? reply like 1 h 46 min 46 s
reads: 6 h 22 min 42 s
